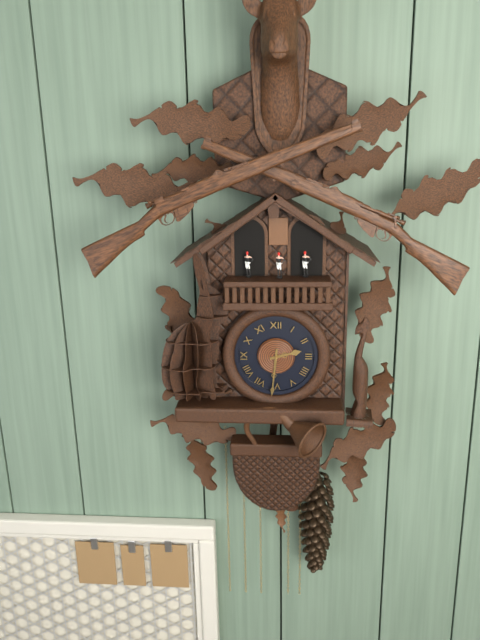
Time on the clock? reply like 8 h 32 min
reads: 2 h 31 min
